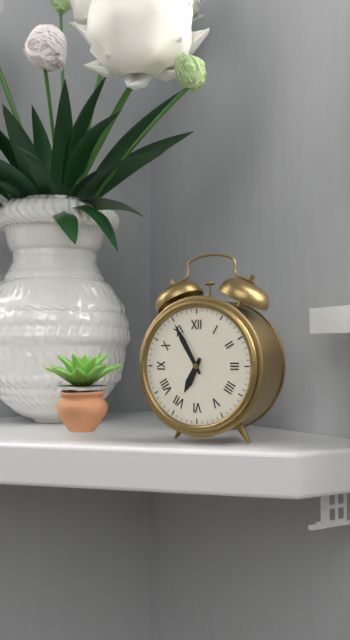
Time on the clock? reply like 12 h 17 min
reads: 6 h 55 min
